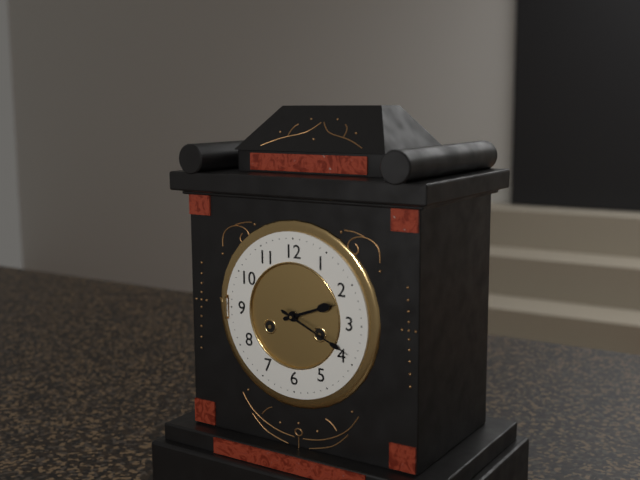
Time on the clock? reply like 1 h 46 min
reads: 2 h 19 min
